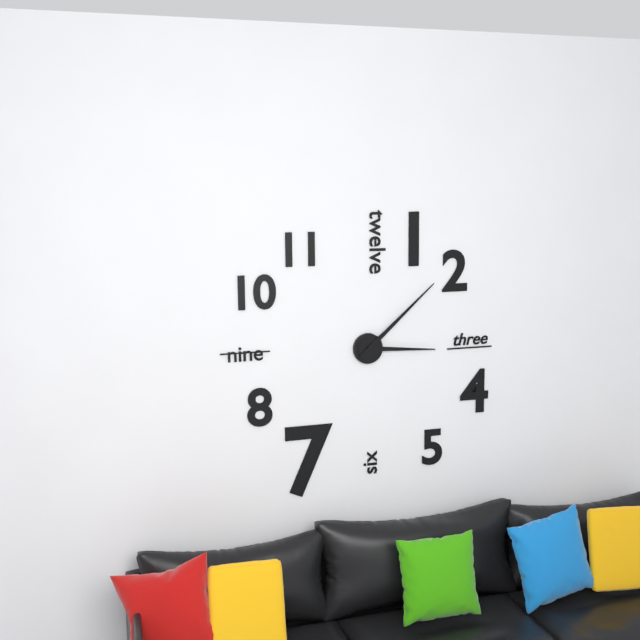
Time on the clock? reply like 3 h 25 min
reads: 3 h 08 min
